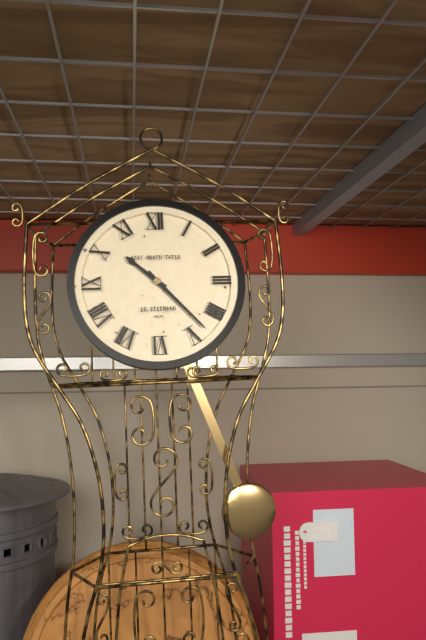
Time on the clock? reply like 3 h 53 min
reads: 10 h 23 min
